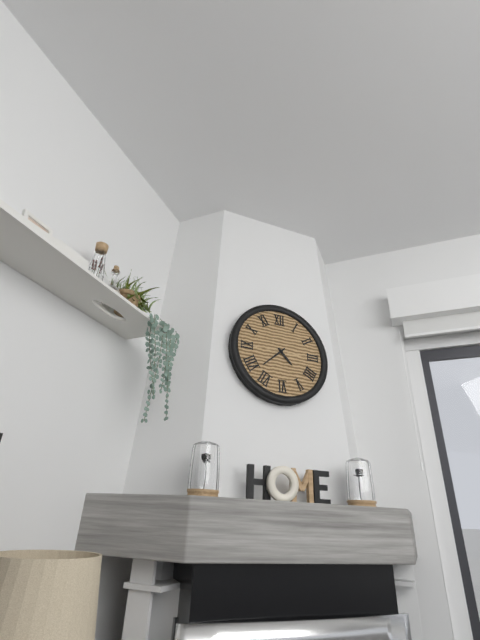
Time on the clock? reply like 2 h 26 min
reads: 4 h 38 min
